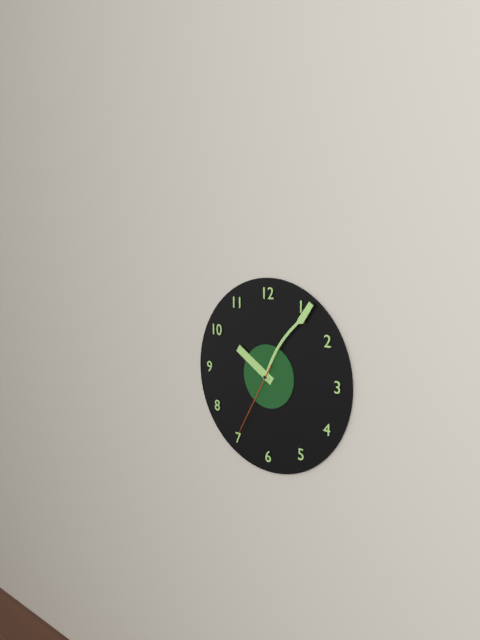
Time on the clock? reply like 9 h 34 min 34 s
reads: 10 h 06 min 35 s
